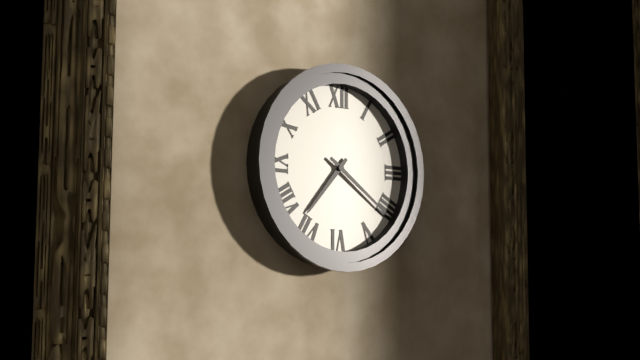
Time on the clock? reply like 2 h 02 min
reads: 7 h 21 min
